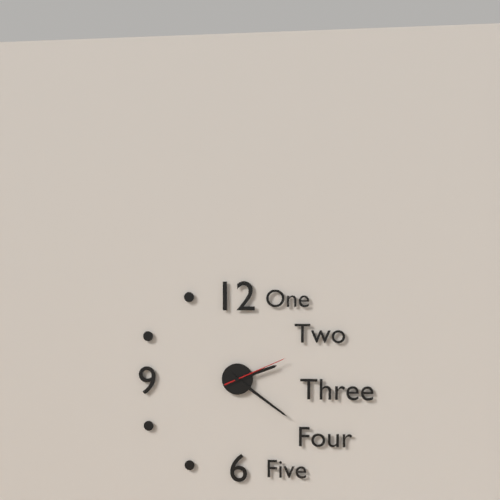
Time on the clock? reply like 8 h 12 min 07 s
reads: 2 h 21 min 11 s
